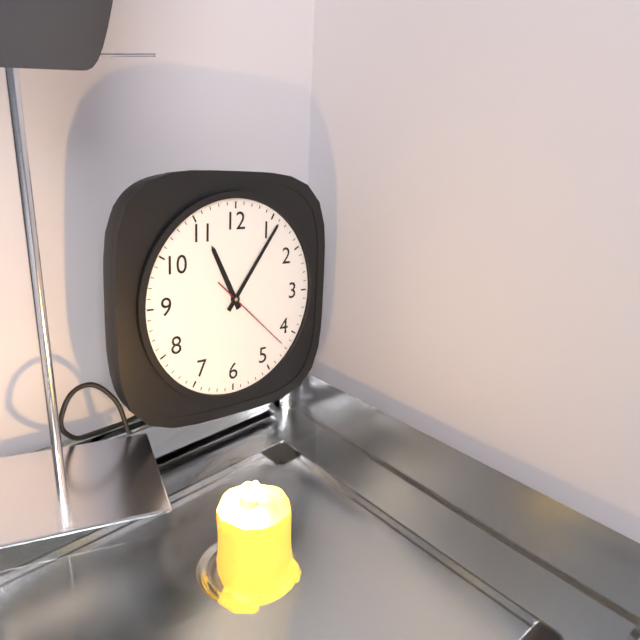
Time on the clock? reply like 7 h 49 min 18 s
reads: 11 h 06 min 22 s
